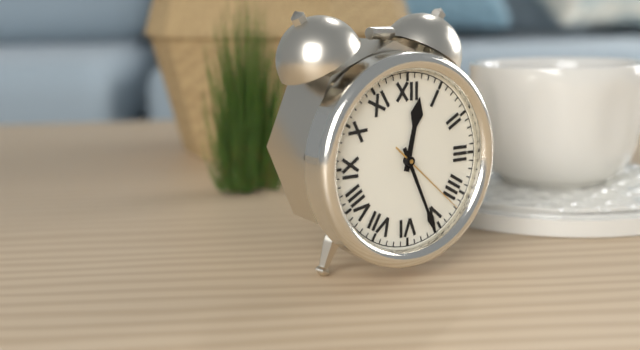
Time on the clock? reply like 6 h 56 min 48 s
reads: 12 h 26 min 22 s
